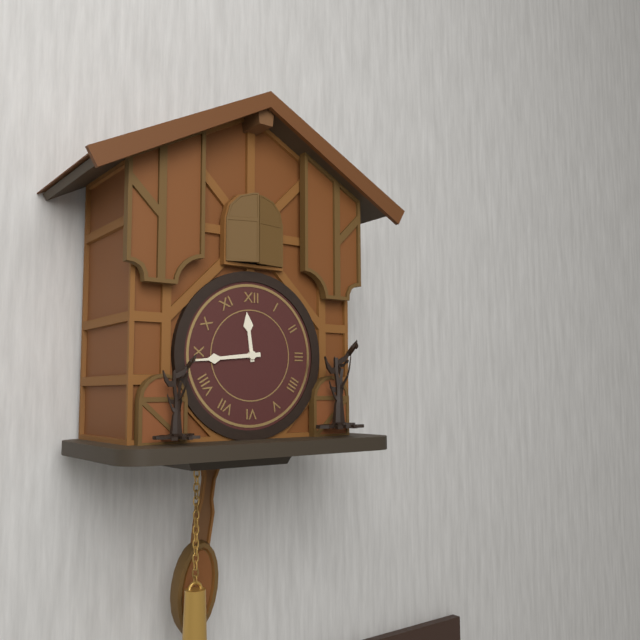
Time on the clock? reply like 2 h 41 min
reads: 11 h 44 min
